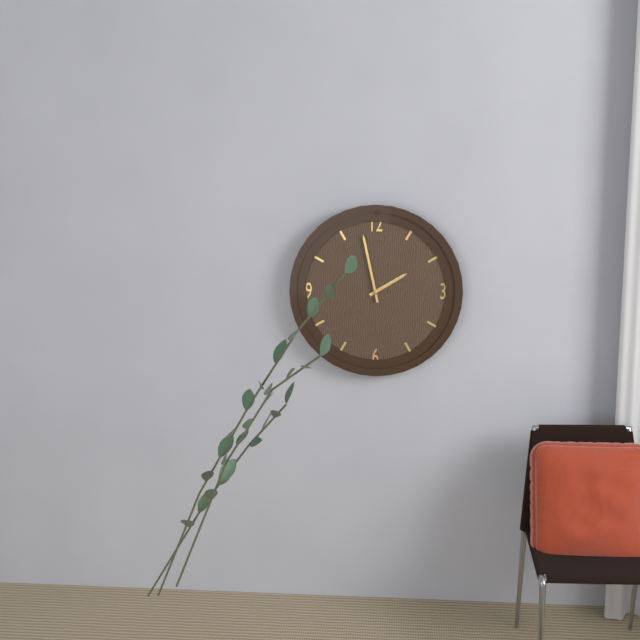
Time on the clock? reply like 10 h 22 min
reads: 1 h 58 min
